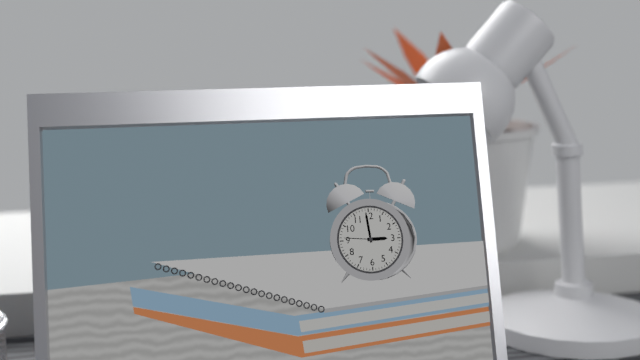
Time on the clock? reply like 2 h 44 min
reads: 2 h 59 min
